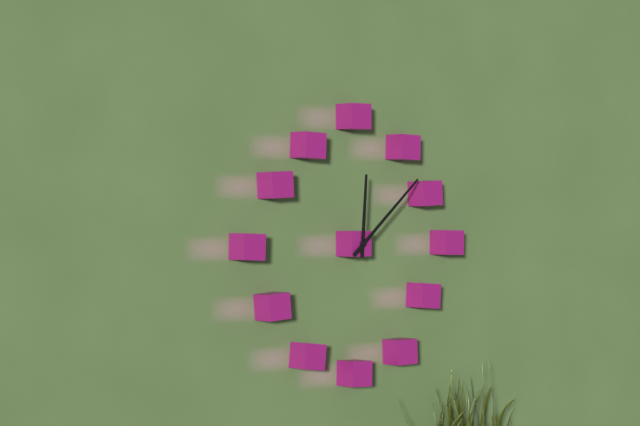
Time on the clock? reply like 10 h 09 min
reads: 12 h 08 min
